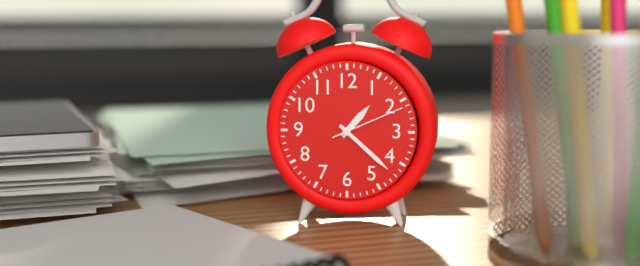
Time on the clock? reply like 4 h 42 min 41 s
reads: 1 h 22 min 11 s
